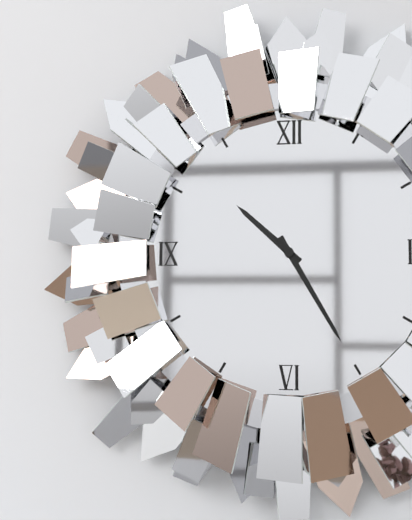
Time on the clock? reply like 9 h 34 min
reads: 10 h 25 min
